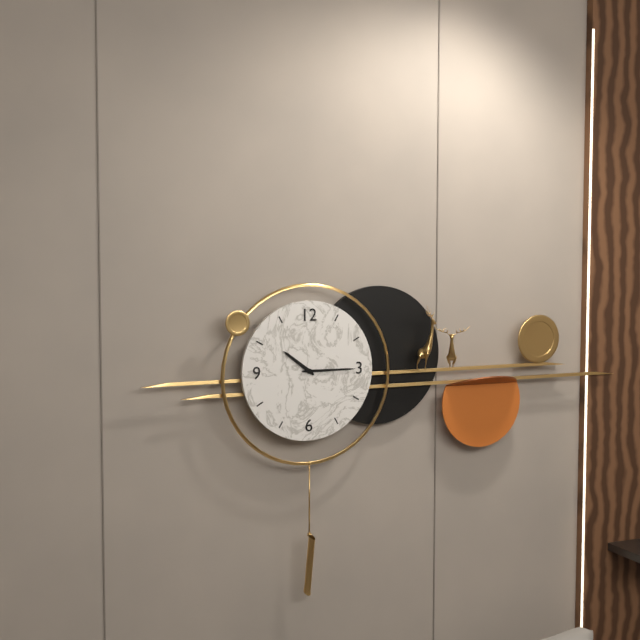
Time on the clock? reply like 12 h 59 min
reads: 10 h 15 min
